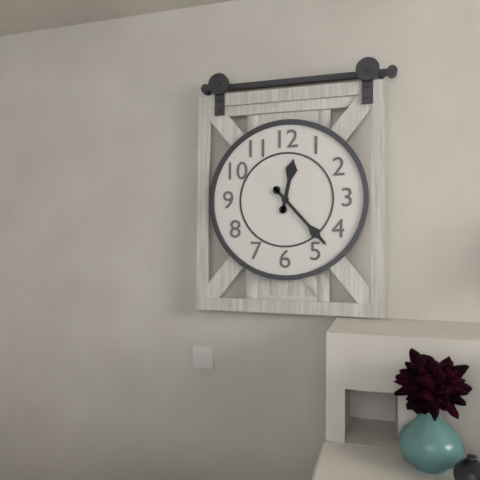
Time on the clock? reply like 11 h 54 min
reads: 12 h 23 min
